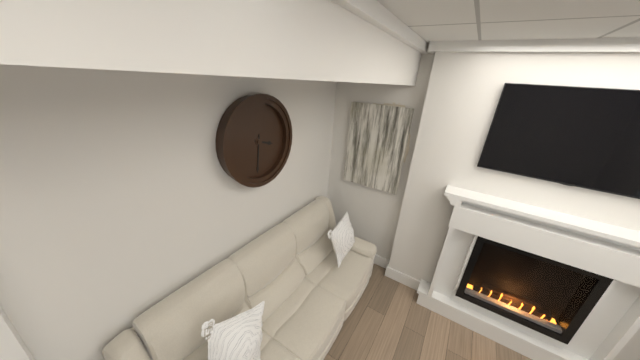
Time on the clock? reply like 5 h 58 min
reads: 3 h 31 min
